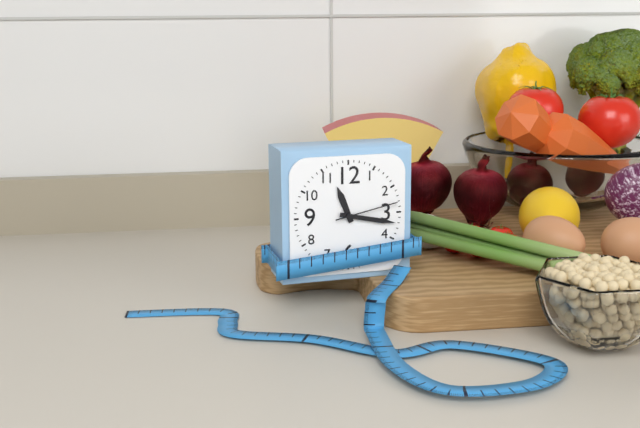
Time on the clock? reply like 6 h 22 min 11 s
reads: 11 h 17 min 13 s
